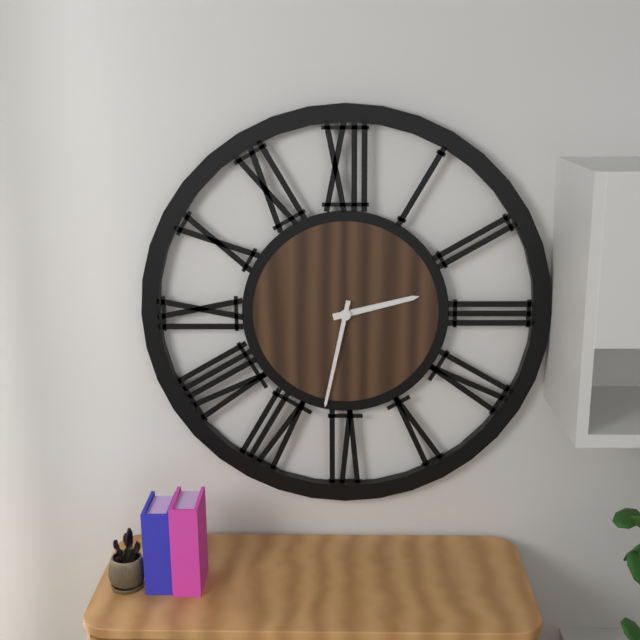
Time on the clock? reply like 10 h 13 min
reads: 2 h 32 min
